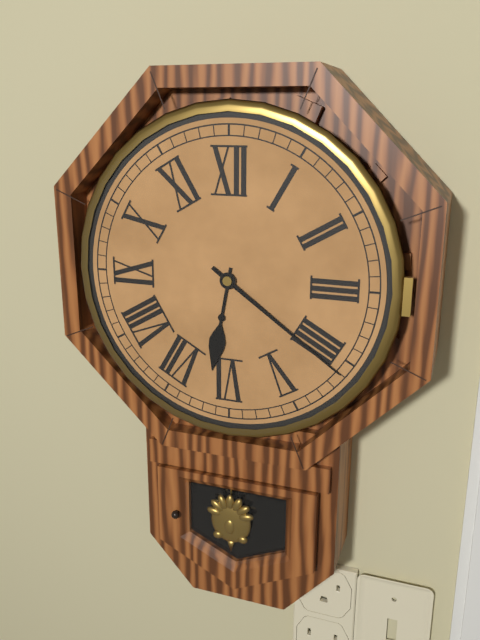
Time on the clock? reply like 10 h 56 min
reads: 6 h 21 min
